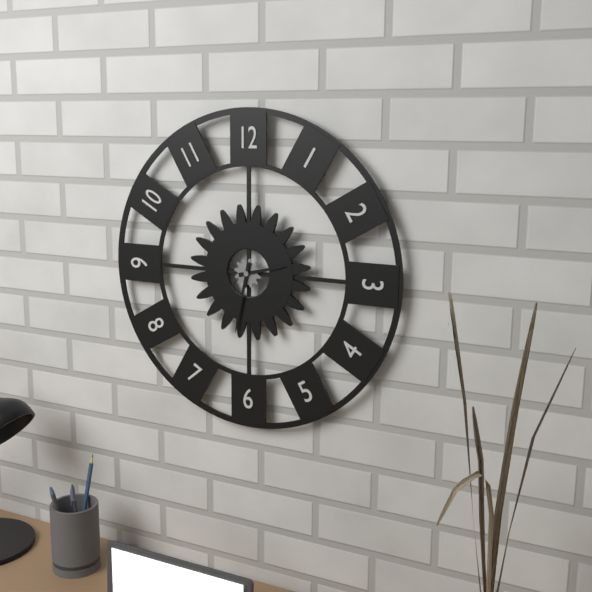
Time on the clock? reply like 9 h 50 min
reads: 2 h 32 min
